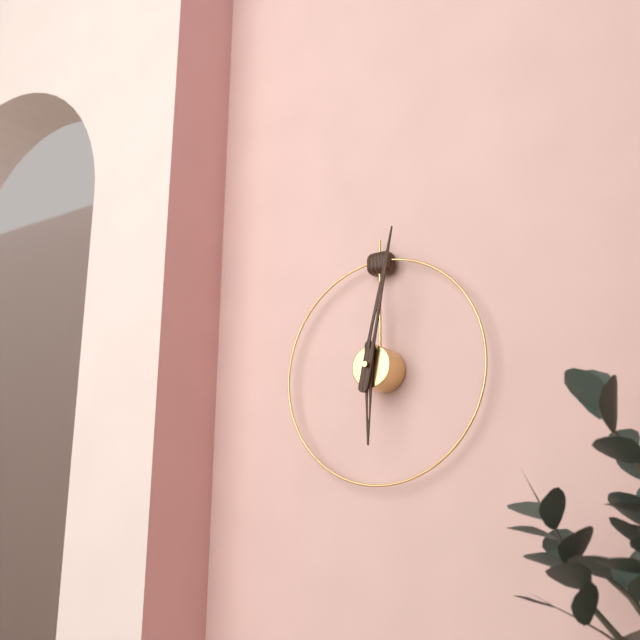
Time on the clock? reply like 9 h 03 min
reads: 6 h 02 min
